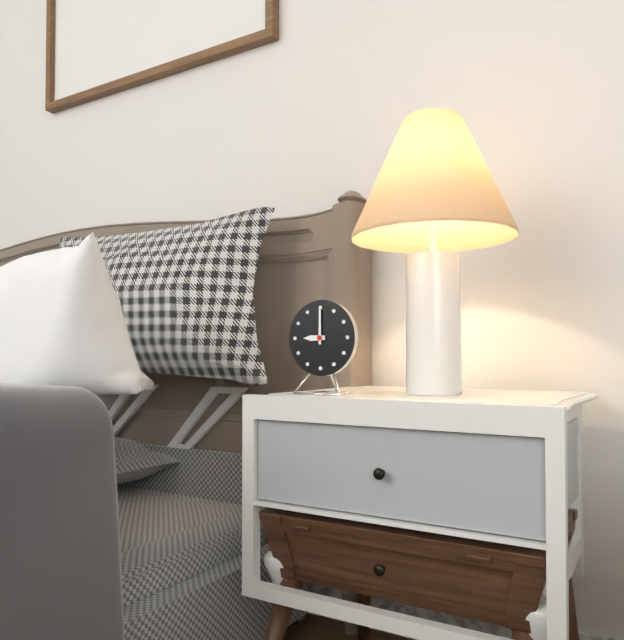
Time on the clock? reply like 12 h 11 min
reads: 9 h 00 min
